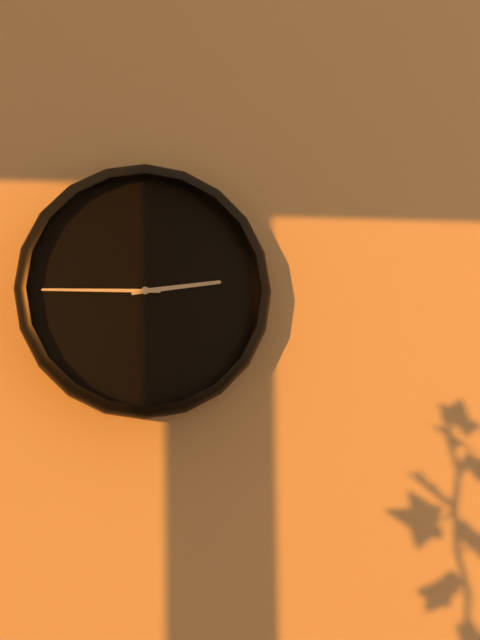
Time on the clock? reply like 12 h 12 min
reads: 2 h 45 min
